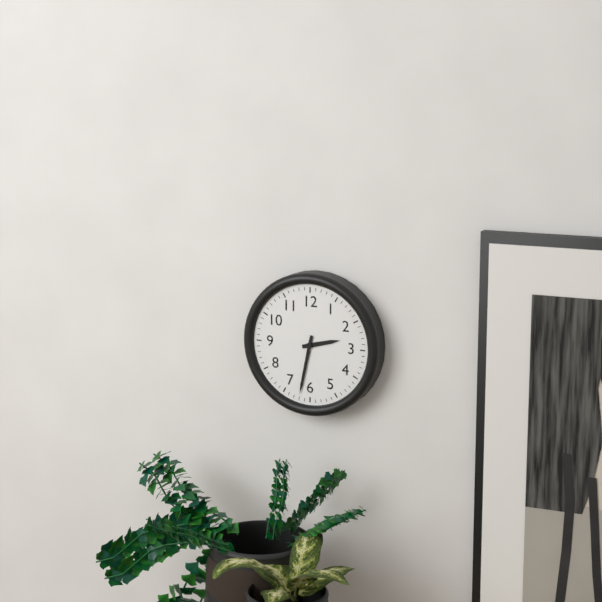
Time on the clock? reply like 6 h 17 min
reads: 2 h 32 min
